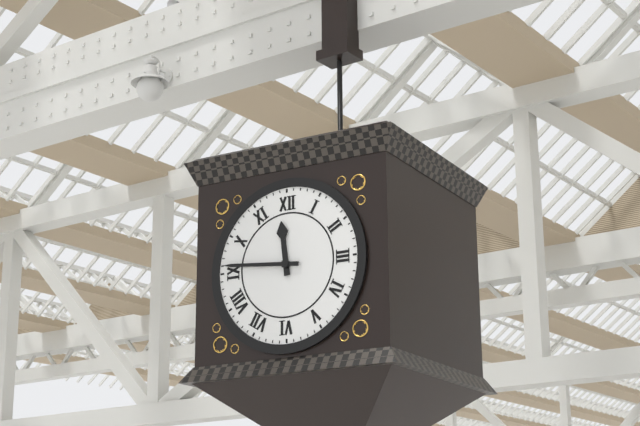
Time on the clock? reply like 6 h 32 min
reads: 11 h 46 min
